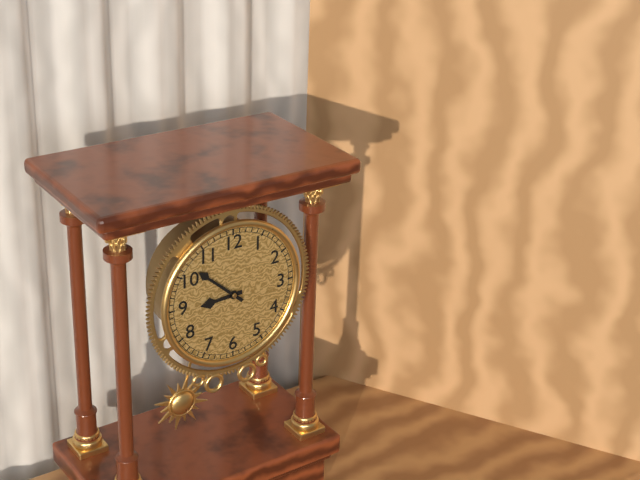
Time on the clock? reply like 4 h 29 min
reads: 8 h 52 min
